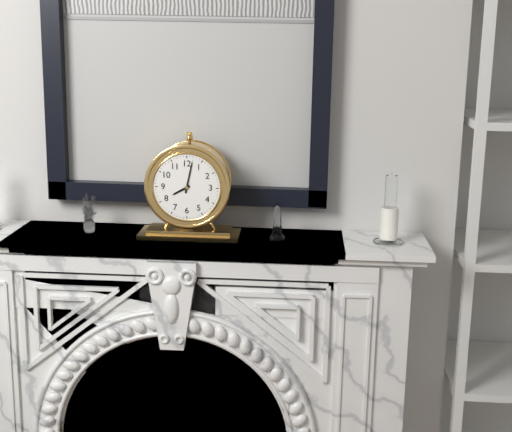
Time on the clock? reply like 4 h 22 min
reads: 8 h 02 min
